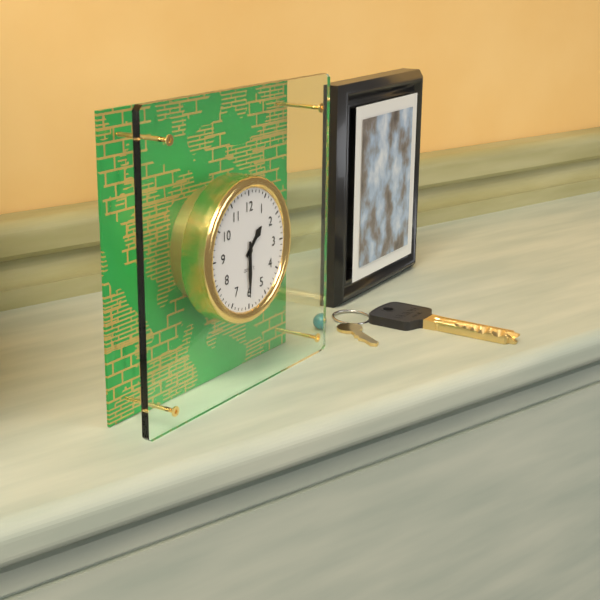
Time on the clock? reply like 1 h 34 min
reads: 1 h 30 min
